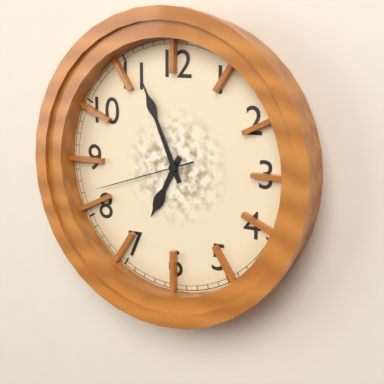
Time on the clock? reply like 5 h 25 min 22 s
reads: 6 h 56 min 42 s
